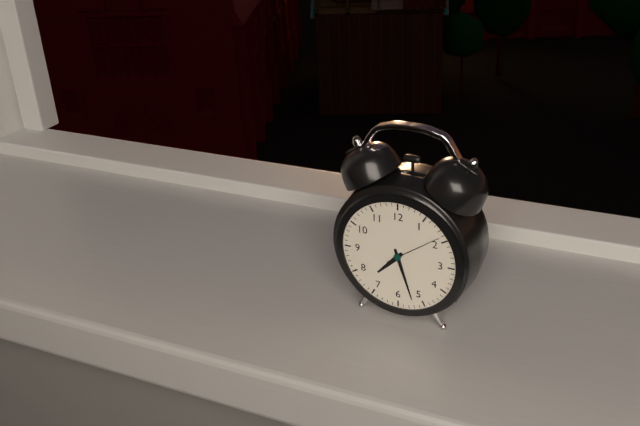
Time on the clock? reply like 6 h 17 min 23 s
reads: 7 h 27 min 09 s
